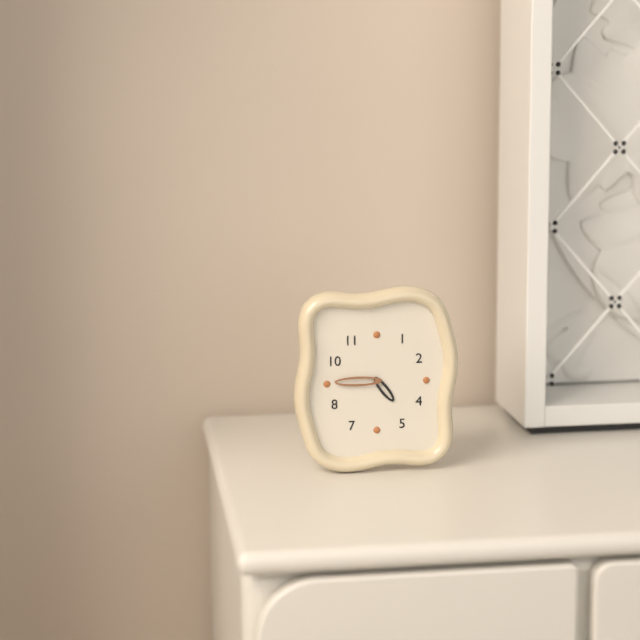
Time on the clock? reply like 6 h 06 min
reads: 4 h 45 min
